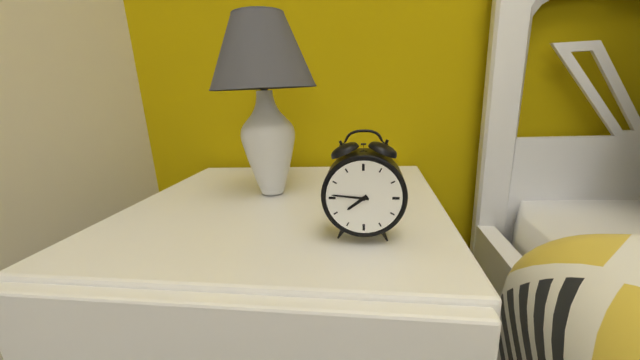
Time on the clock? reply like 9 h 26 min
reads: 7 h 46 min
